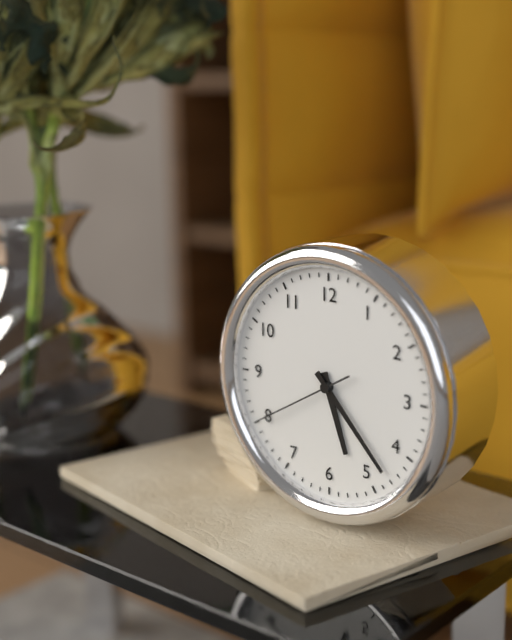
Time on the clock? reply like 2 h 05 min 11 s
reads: 5 h 23 min 40 s
